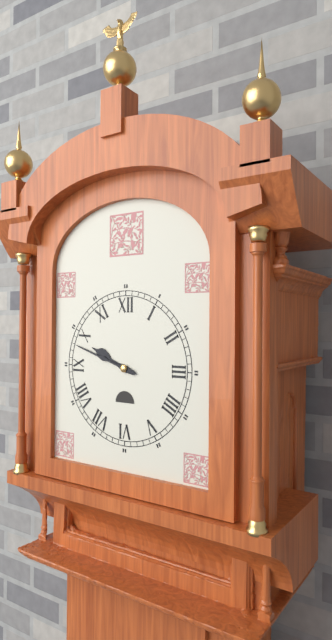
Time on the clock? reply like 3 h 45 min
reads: 9 h 48 min
